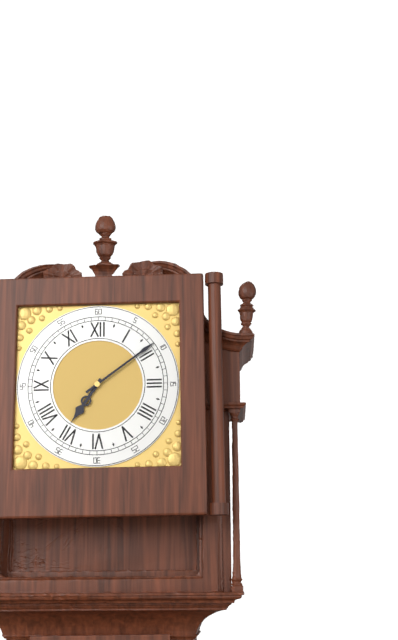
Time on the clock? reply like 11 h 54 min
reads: 7 h 09 min
